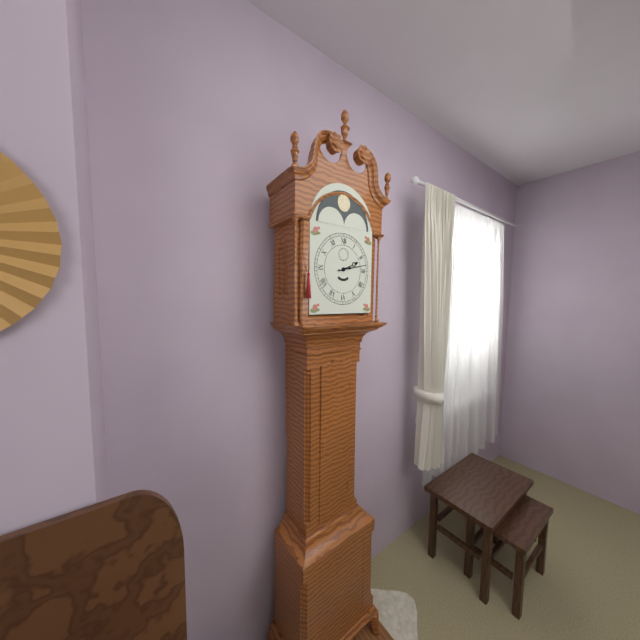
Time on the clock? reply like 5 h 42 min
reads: 2 h 13 min
